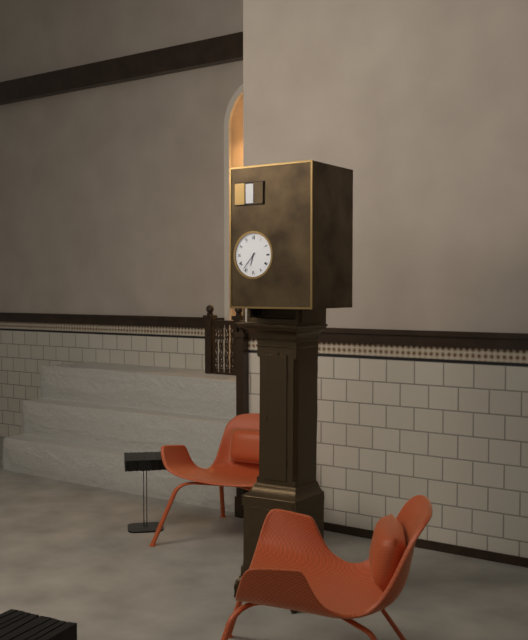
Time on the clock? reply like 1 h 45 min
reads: 6 h 37 min
